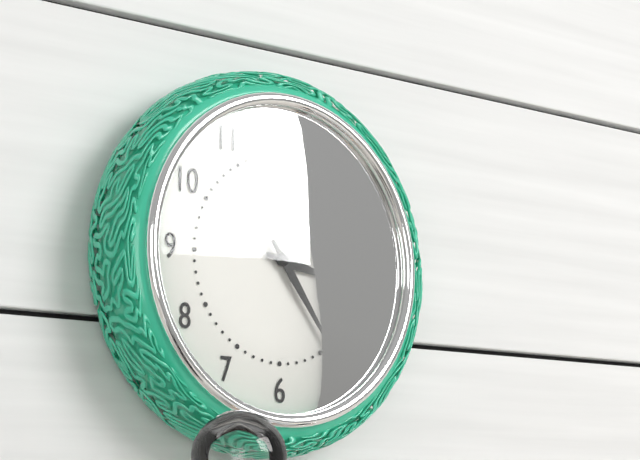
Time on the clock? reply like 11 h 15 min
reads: 3 h 24 min
